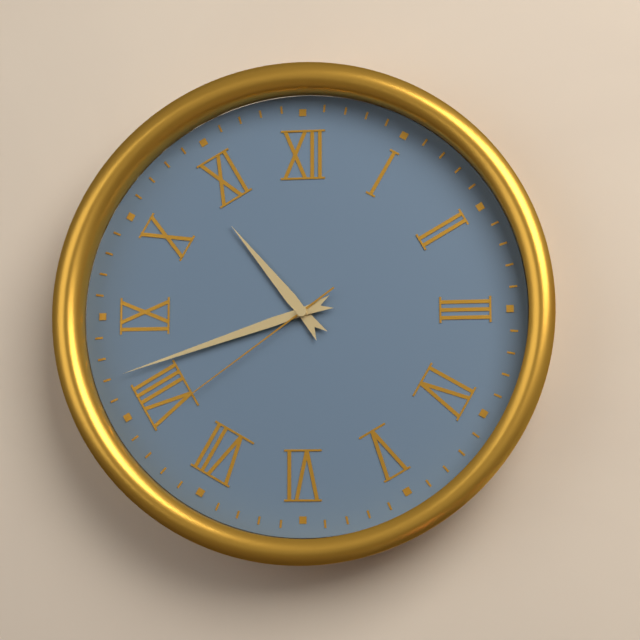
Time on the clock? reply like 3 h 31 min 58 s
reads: 10 h 42 min 39 s
